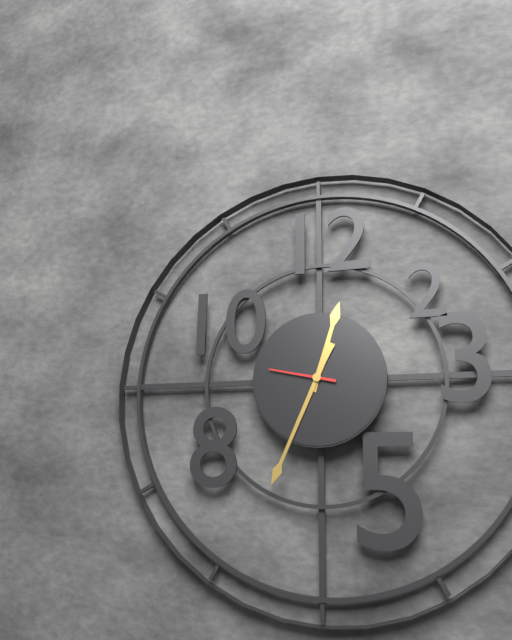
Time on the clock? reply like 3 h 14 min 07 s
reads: 12 h 34 min 47 s
